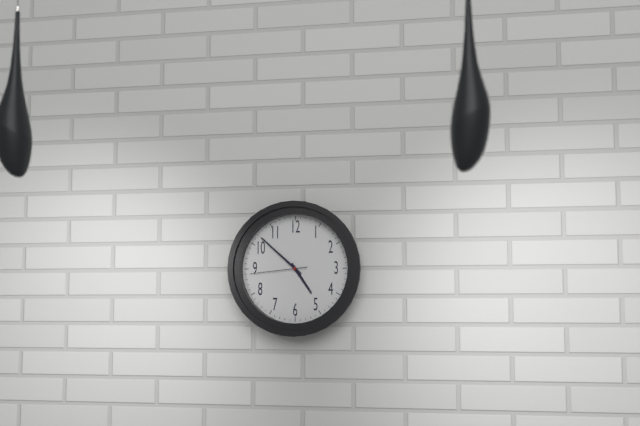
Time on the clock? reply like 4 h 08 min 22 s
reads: 4 h 52 min 44 s
